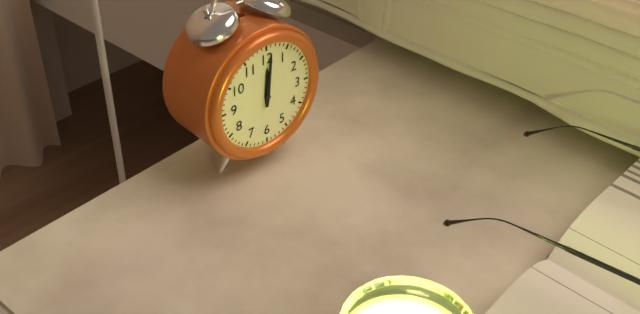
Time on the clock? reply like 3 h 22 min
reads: 12 h 01 min
